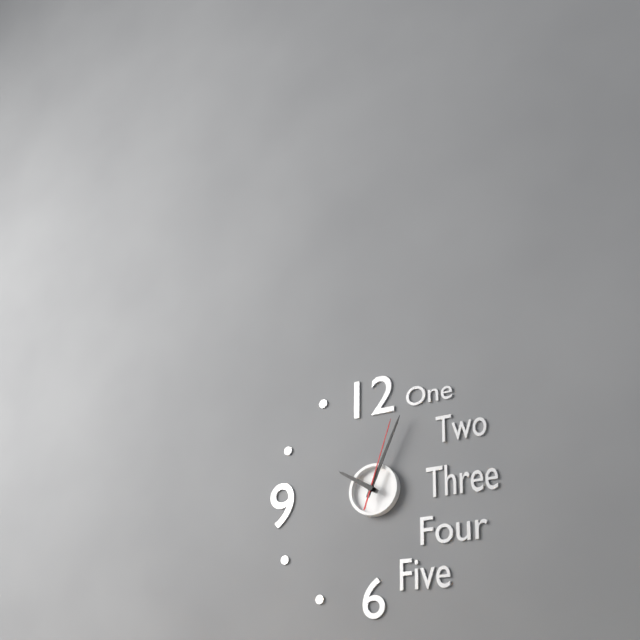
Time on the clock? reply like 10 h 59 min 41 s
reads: 10 h 04 min 03 s
